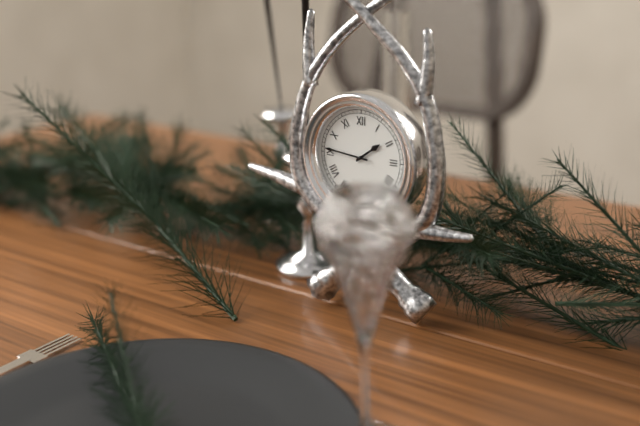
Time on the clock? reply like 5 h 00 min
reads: 1 h 46 min
